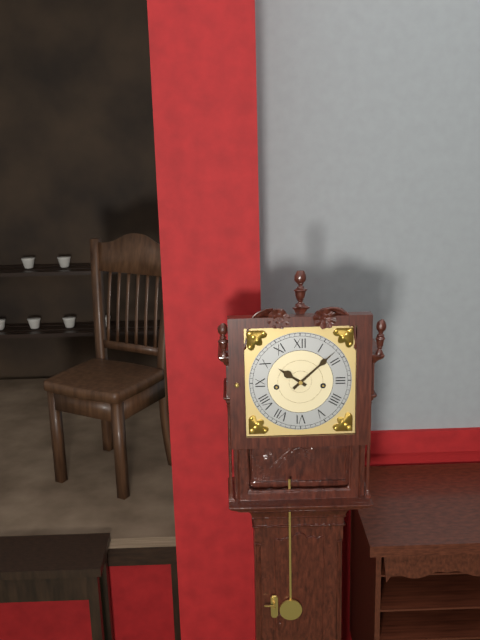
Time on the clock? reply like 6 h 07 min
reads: 10 h 08 min
